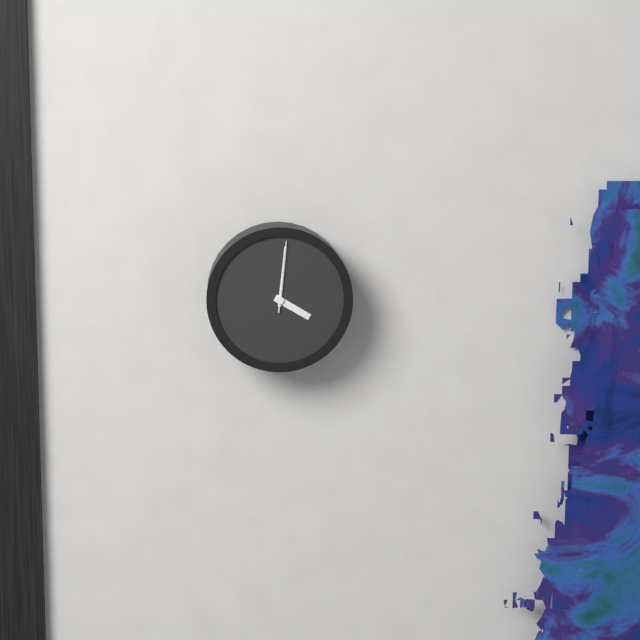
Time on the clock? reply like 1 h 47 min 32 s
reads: 4 h 01 min 01 s
